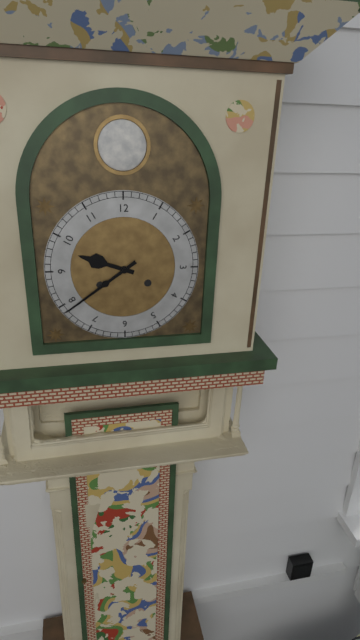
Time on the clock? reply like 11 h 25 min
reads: 9 h 39 min
